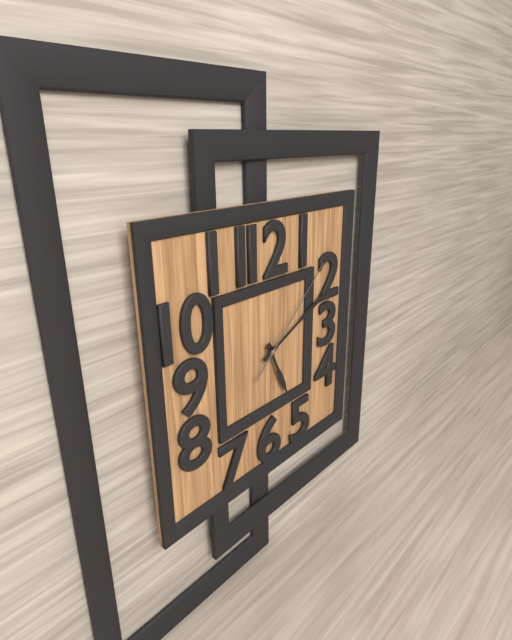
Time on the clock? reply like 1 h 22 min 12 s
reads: 5 h 11 min 08 s
